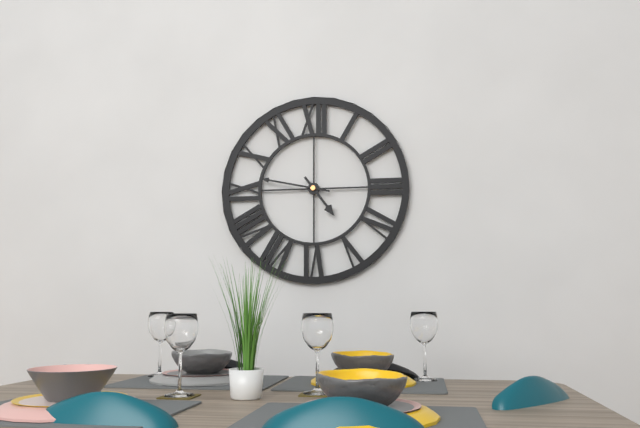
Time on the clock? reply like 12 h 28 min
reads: 4 h 47 min
